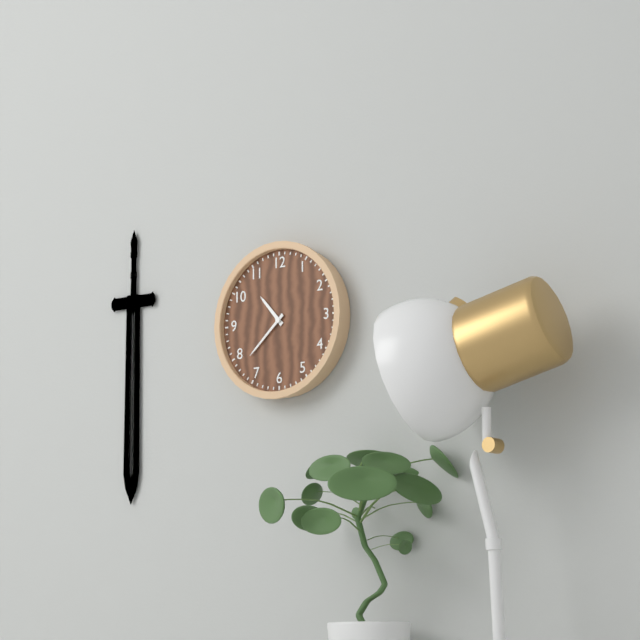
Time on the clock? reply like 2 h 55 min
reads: 10 h 38 min
